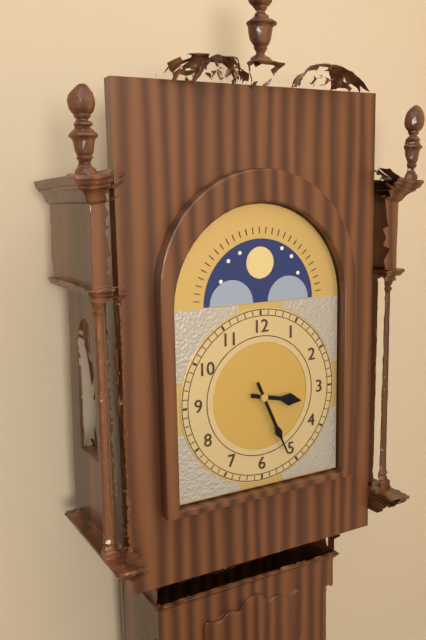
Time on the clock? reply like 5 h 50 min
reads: 3 h 26 min
